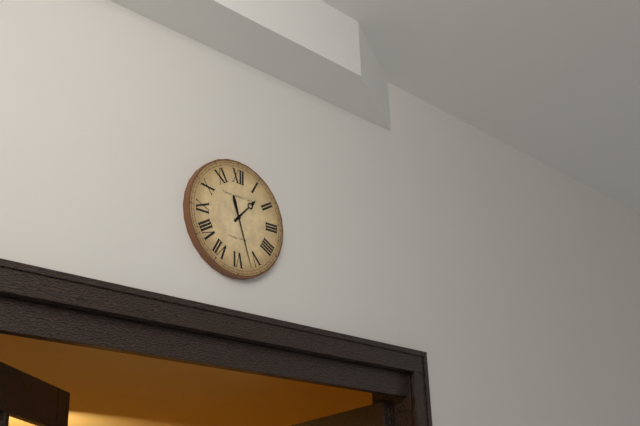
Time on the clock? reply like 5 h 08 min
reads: 1 h 27 min
